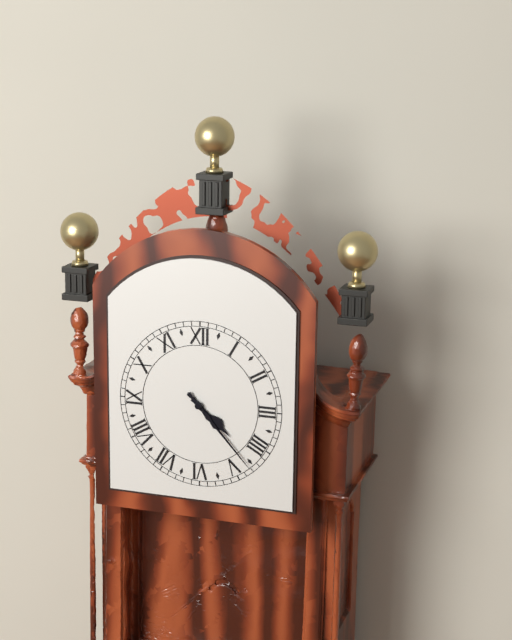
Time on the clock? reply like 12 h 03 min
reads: 4 h 23 min
